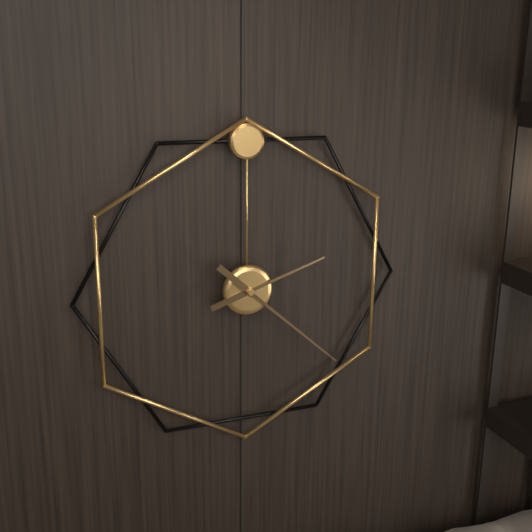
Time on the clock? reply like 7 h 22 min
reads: 2 h 22 min
